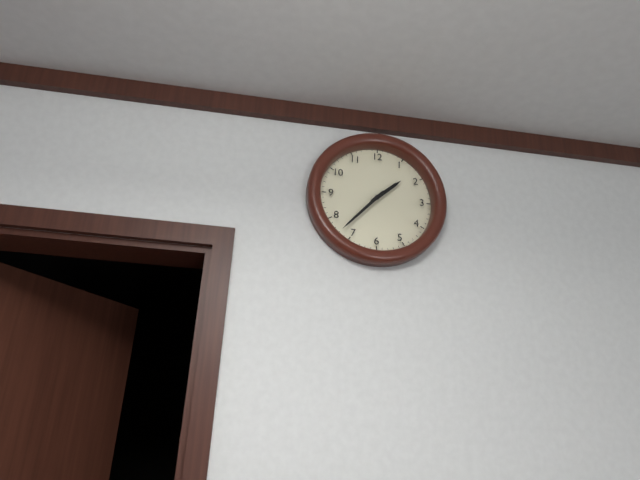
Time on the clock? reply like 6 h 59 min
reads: 1 h 37 min
